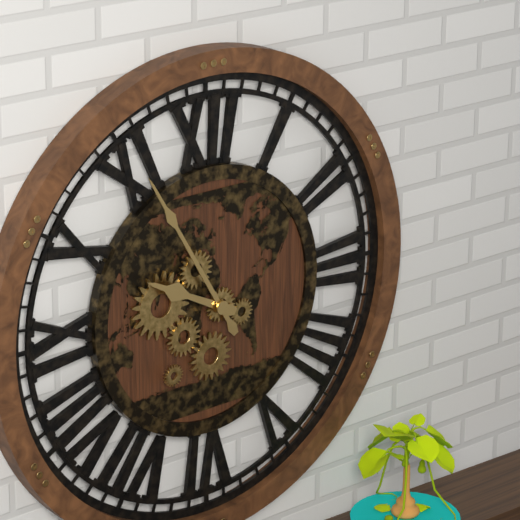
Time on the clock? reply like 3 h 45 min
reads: 9 h 55 min
